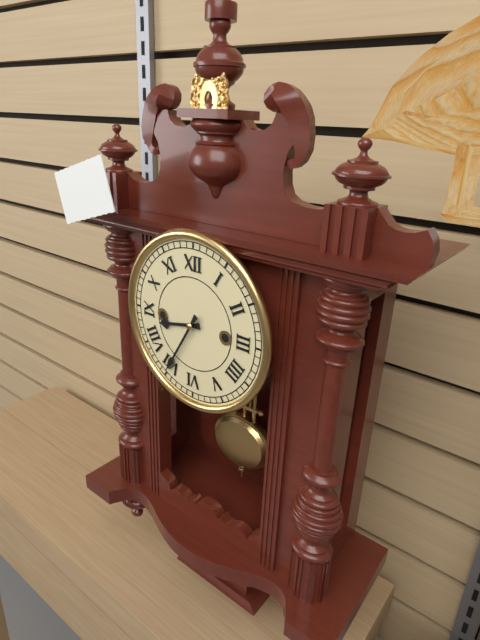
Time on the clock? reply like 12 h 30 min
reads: 8 h 35 min
